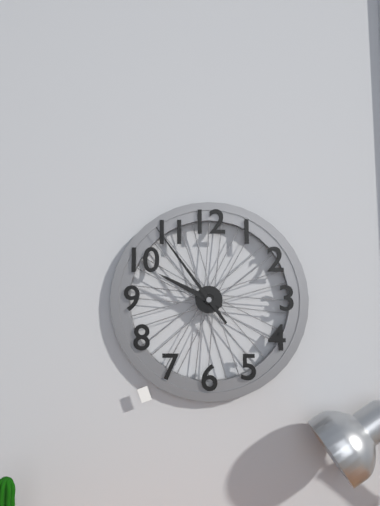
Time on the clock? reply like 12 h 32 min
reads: 9 h 54 min
